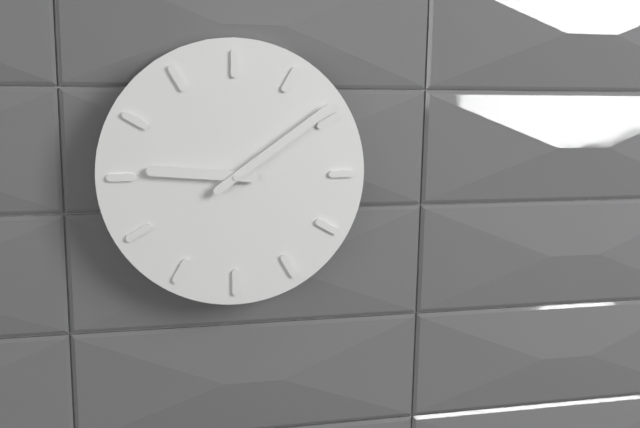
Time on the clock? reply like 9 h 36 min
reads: 9 h 09 min
